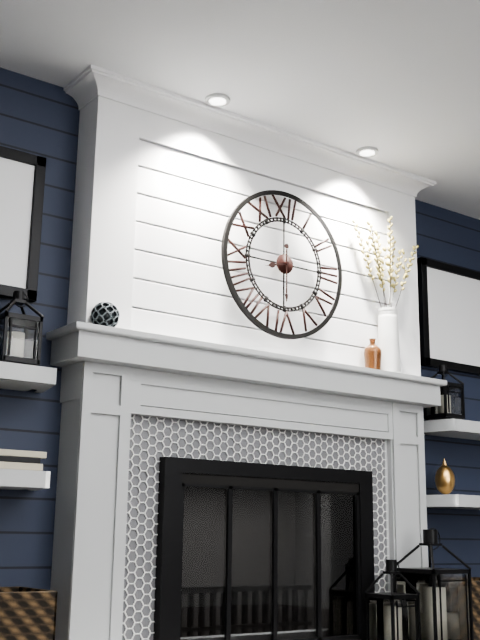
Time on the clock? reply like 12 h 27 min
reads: 8 h 30 min
